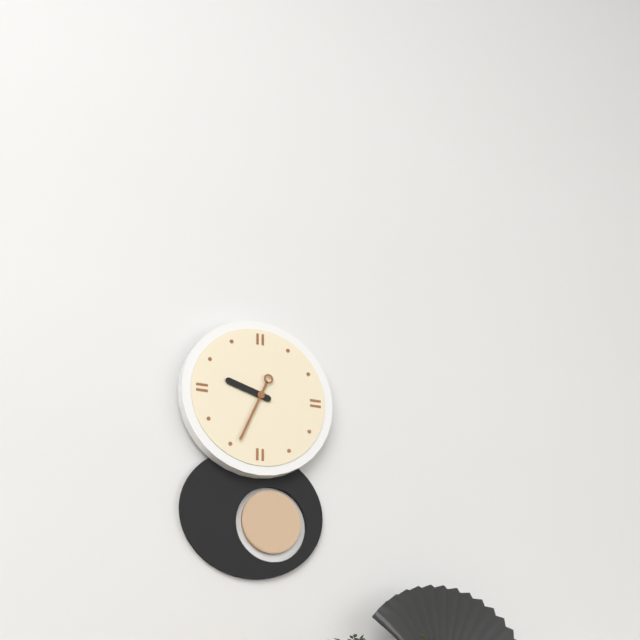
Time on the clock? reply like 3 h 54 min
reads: 9 h 34 min
